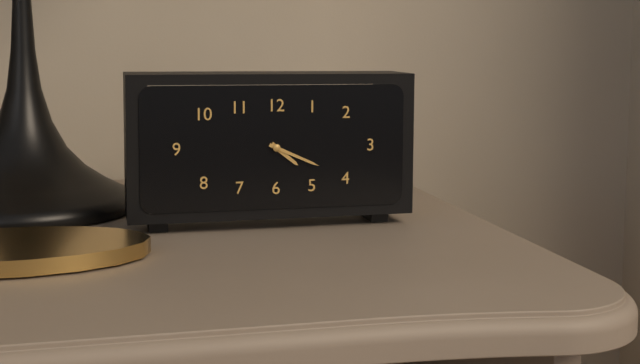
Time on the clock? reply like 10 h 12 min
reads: 4 h 19 min
